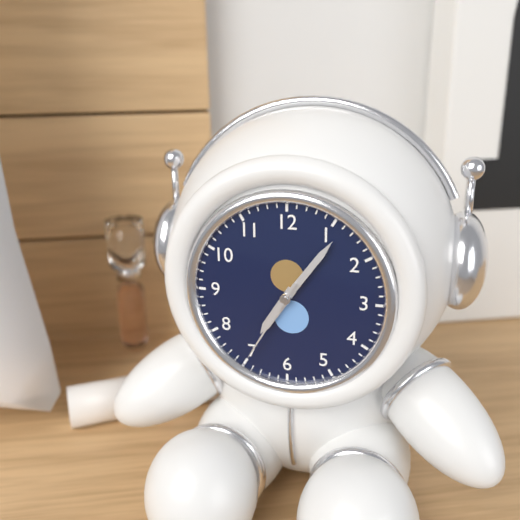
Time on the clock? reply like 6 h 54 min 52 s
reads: 7 h 06 min 35 s
